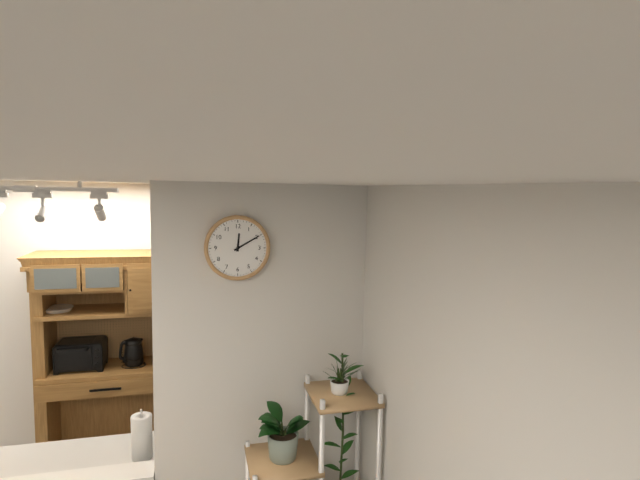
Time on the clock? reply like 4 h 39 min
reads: 12 h 10 min
